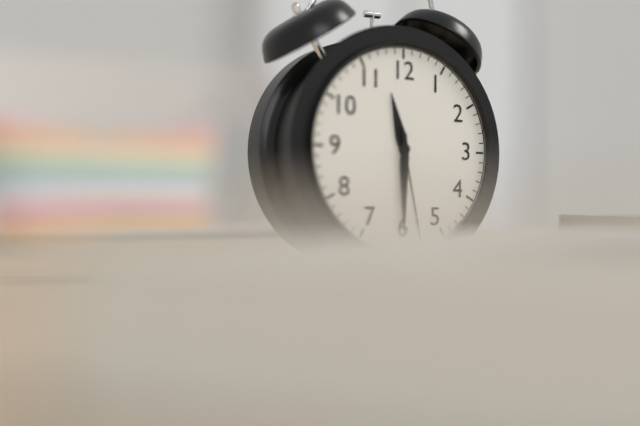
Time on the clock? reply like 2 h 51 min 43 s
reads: 11 h 30 min 28 s
